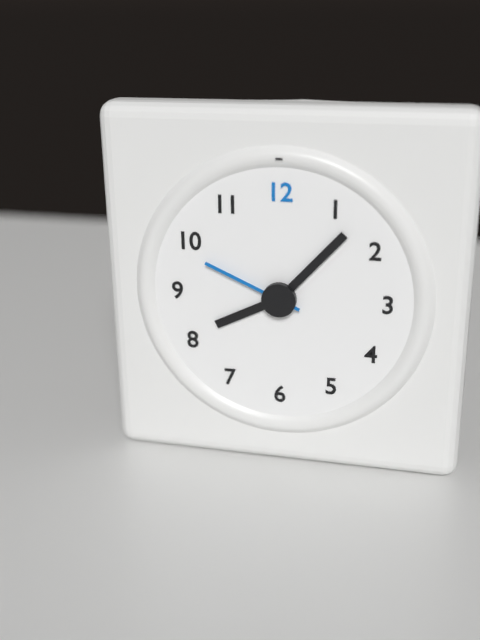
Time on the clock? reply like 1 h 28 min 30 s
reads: 8 h 07 min 49 s
